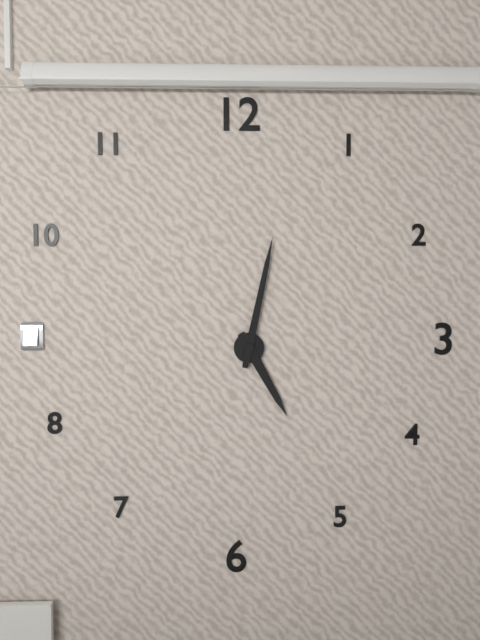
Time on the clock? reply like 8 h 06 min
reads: 5 h 02 min
